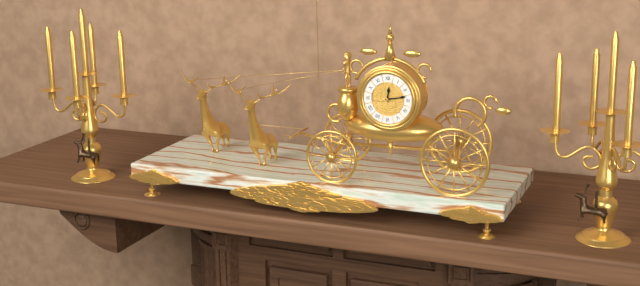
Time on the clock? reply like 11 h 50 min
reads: 12 h 13 min
